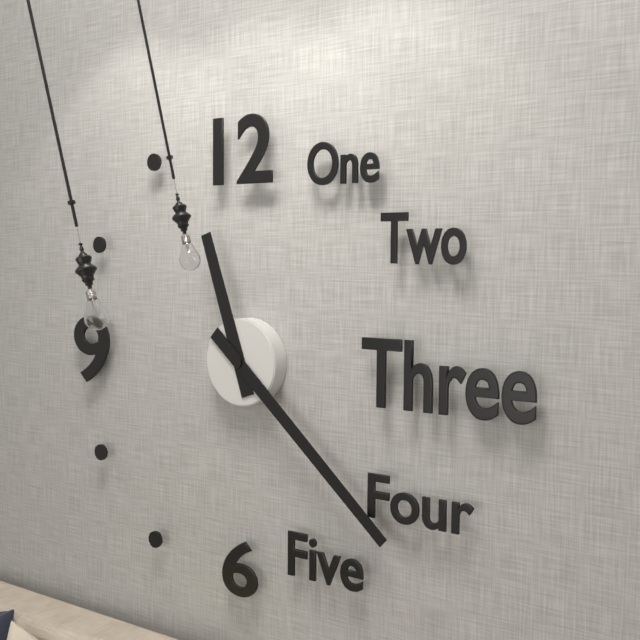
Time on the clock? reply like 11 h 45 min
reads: 11 h 22 min
